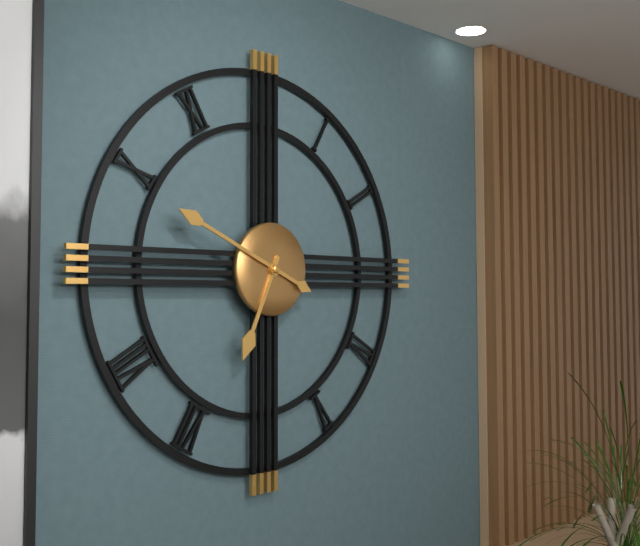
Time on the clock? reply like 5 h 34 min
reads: 6 h 49 min
